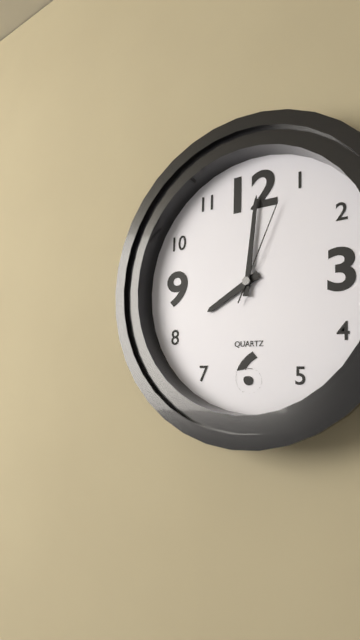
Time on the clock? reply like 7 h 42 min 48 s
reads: 8 h 01 min 04 s
